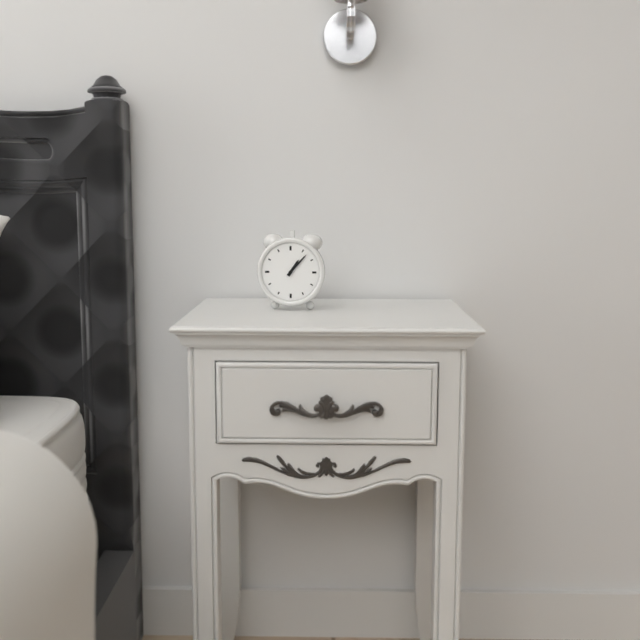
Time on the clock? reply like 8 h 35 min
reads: 1 h 07 min
